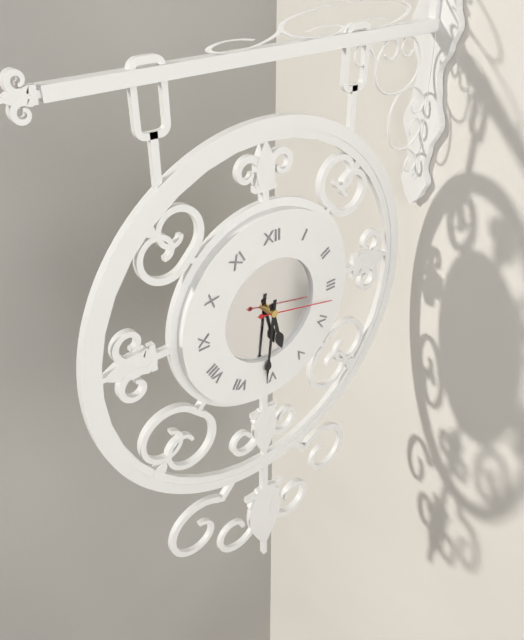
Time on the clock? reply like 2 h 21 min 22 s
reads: 5 h 31 min 17 s
